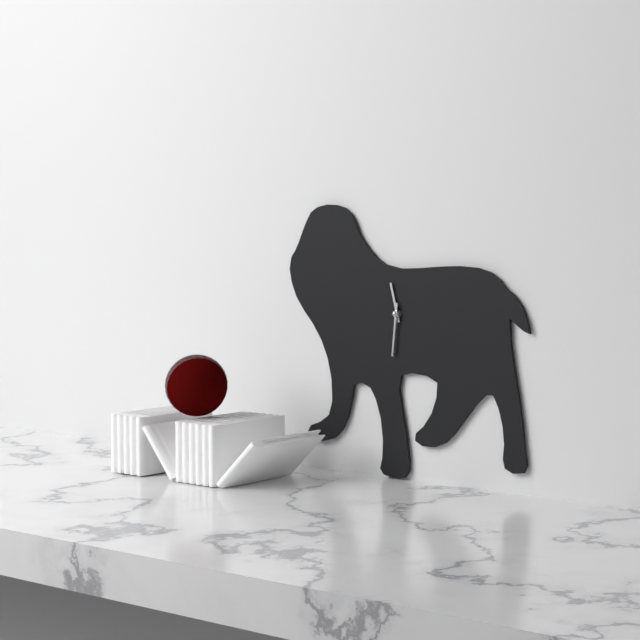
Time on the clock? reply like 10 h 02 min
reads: 11 h 31 min
